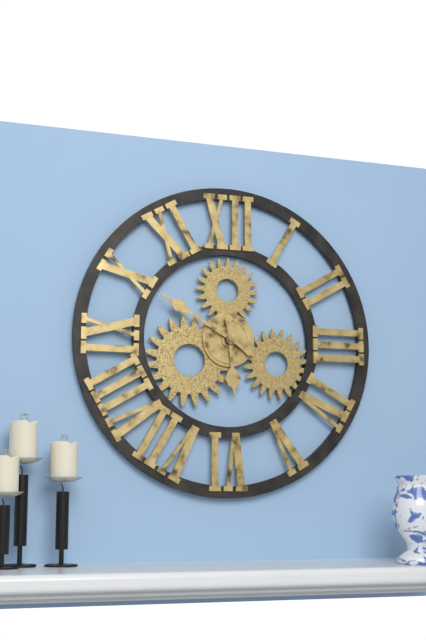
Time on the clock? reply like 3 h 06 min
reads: 5 h 50 min
